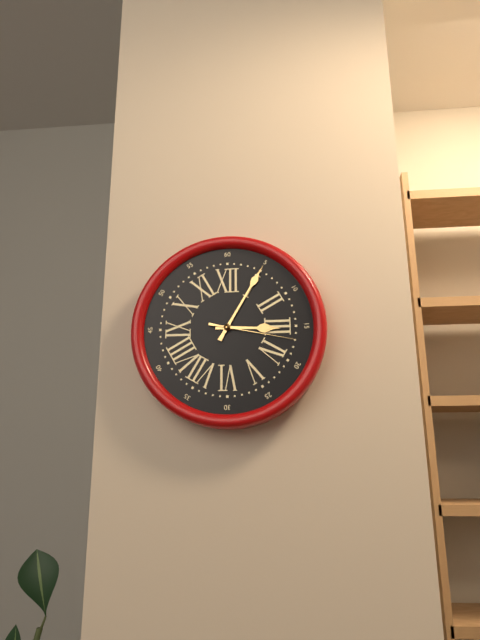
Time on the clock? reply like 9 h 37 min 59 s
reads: 3 h 05 min 17 s
